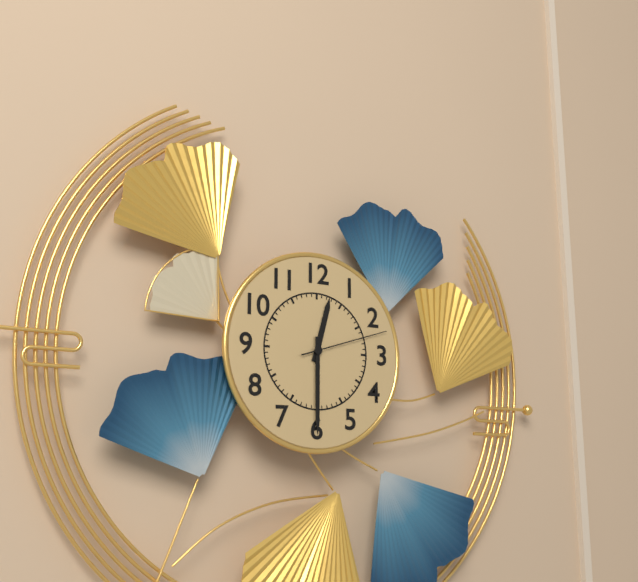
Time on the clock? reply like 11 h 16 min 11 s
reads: 12 h 30 min 12 s
